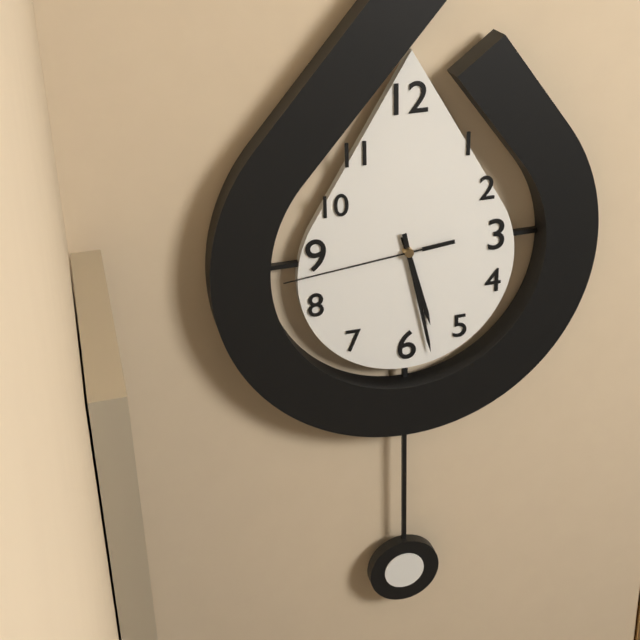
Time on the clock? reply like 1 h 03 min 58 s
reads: 5 h 28 min 44 s
